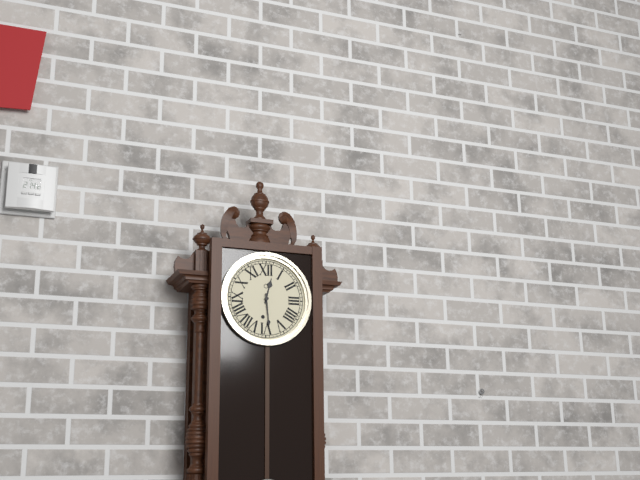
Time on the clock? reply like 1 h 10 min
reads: 12 h 29 min
